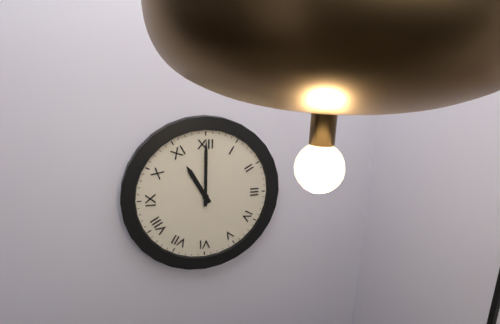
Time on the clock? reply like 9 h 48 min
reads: 11 h 00 min
